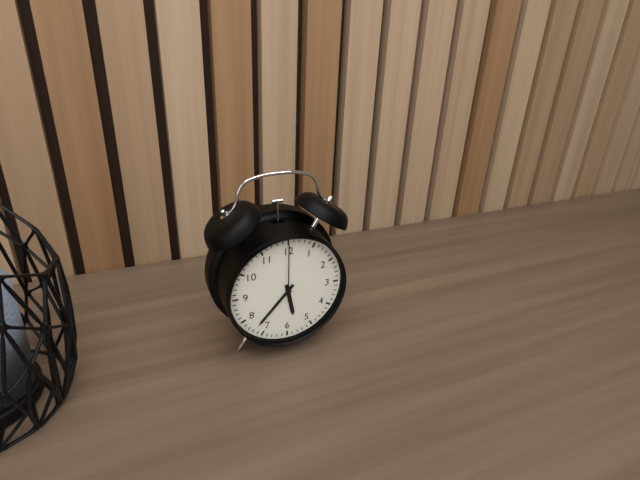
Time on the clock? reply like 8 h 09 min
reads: 5 h 37 min
